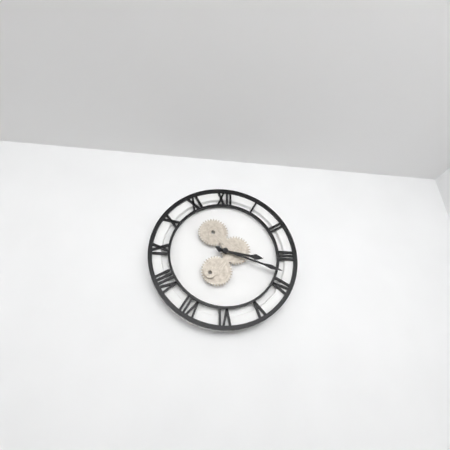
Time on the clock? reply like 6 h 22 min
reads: 3 h 18 min
